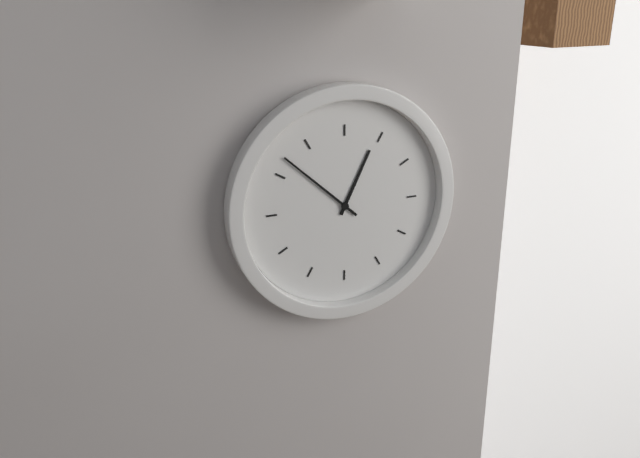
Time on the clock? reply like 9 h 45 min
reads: 12 h 52 min
